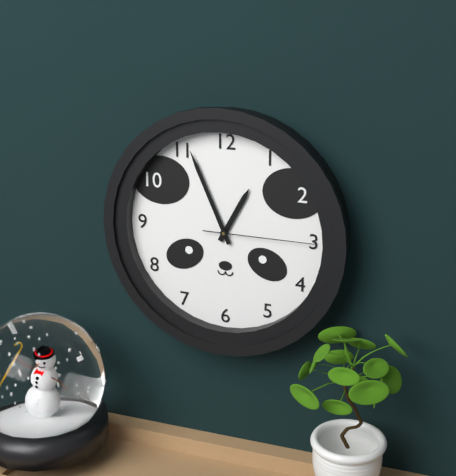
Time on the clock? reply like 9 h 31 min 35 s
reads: 12 h 56 min 15 s
